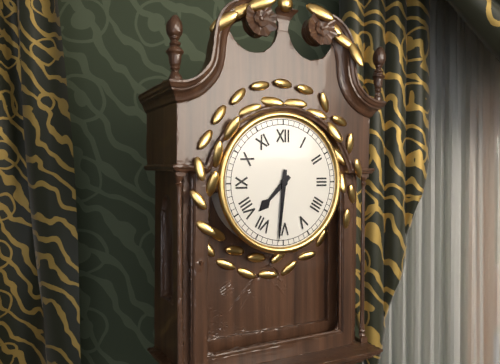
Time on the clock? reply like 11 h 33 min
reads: 7 h 31 min
